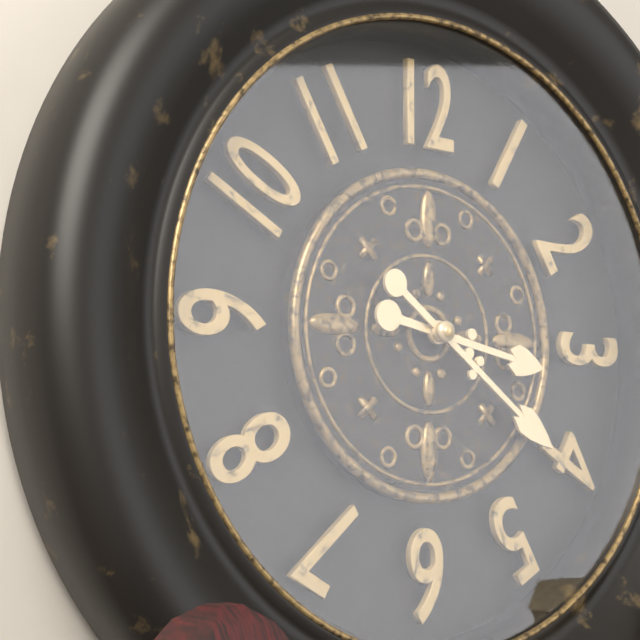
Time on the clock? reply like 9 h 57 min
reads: 3 h 21 min
